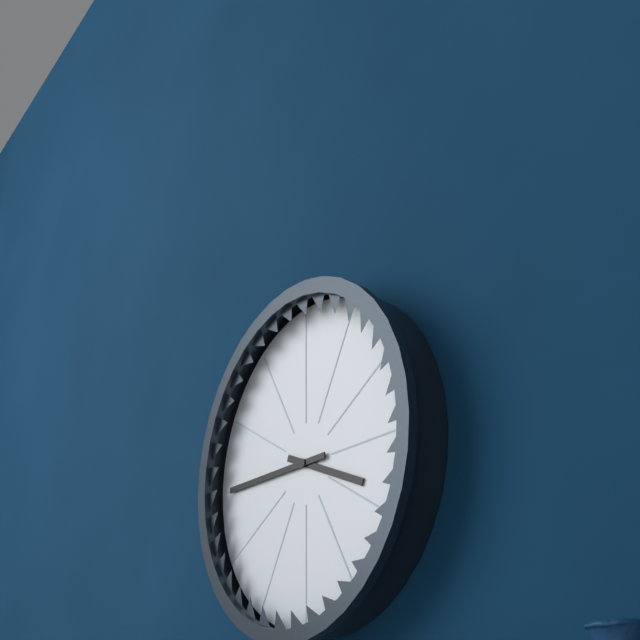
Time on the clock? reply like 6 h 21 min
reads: 3 h 45 min
